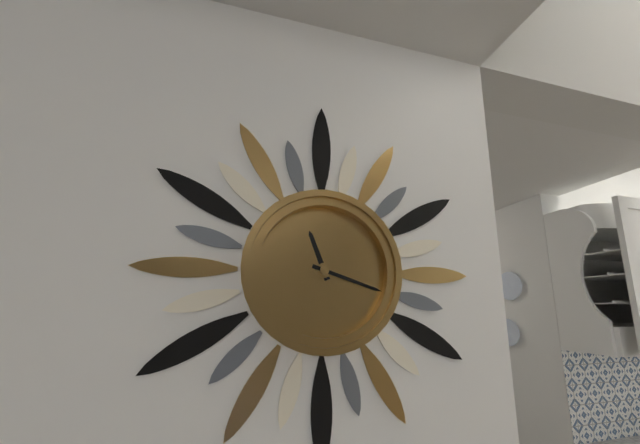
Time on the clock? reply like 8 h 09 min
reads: 11 h 18 min
